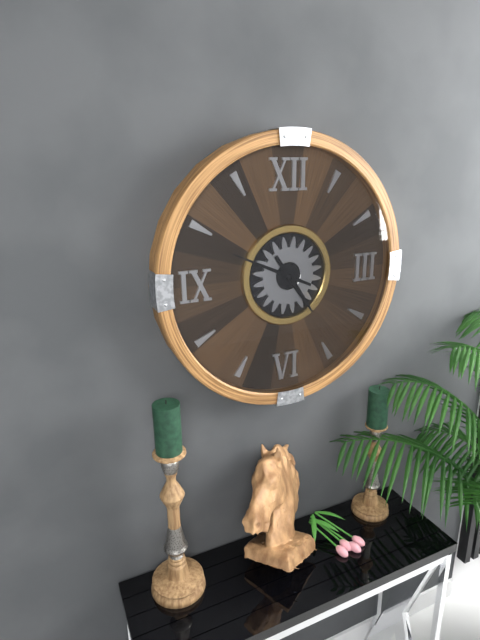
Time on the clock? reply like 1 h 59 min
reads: 4 h 49 min
